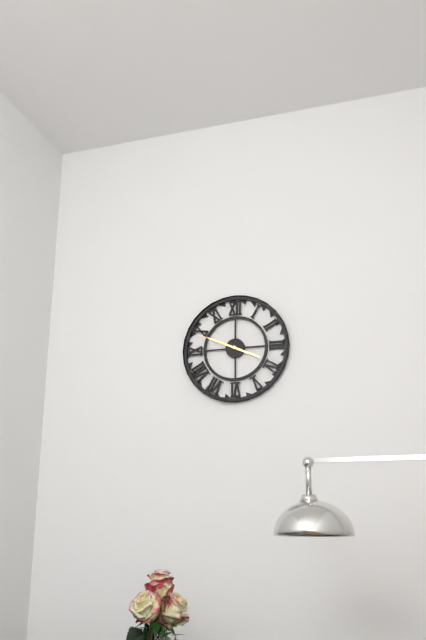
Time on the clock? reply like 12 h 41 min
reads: 3 h 49 min
